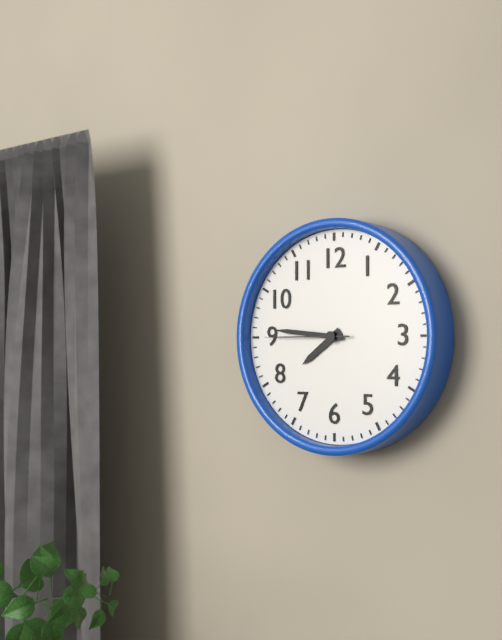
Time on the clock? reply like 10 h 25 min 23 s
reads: 7 h 46 min 45 s
